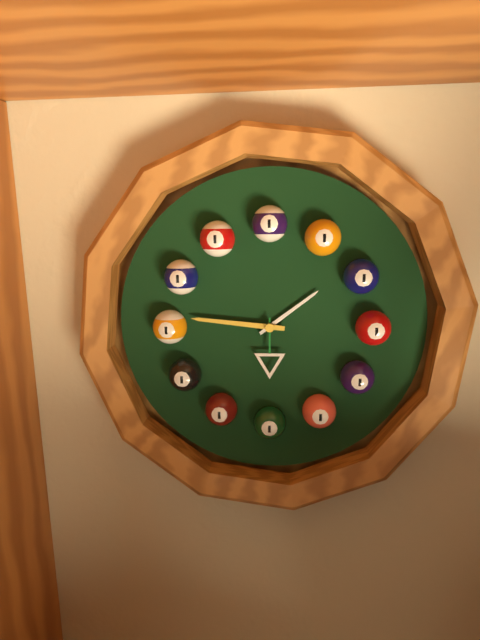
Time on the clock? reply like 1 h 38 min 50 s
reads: 1 h 46 min 30 s
